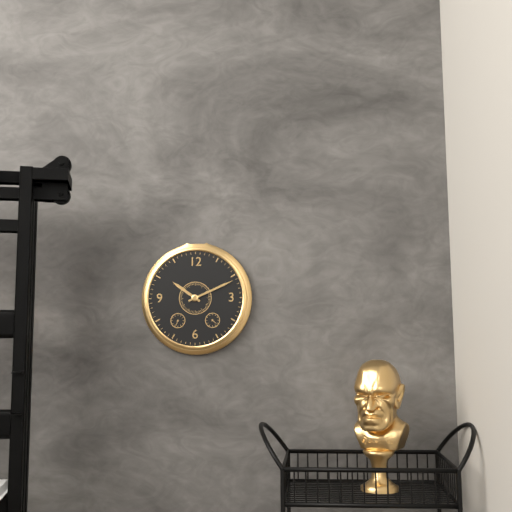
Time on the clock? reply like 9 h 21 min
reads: 10 h 11 min
